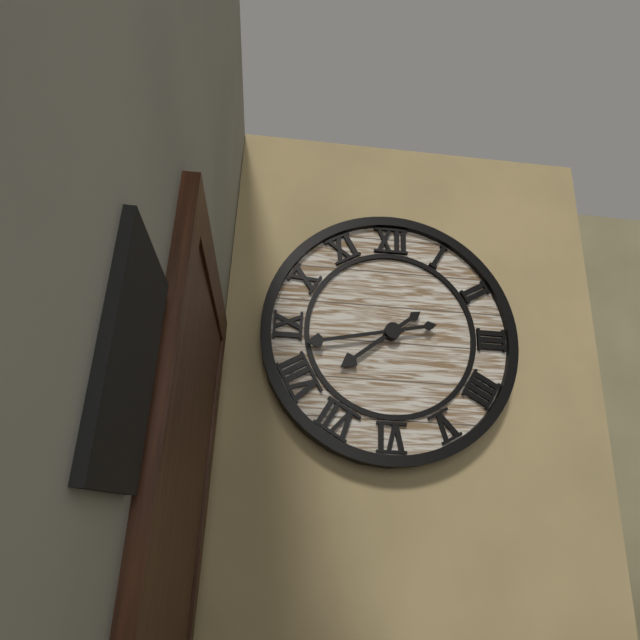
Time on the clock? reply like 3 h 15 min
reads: 7 h 43 min
